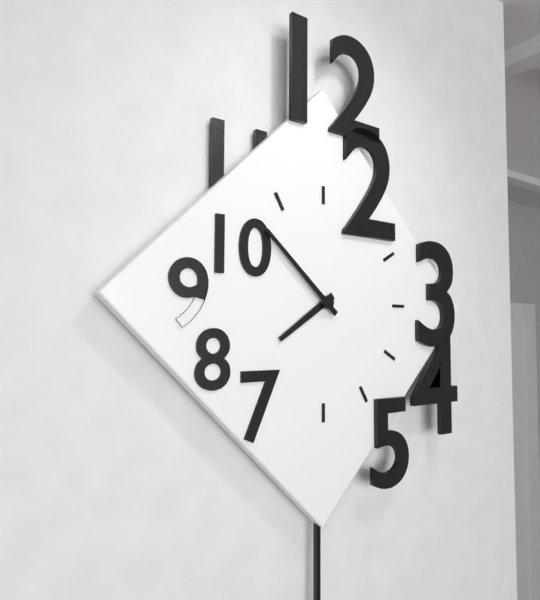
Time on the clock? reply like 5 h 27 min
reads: 7 h 52 min
